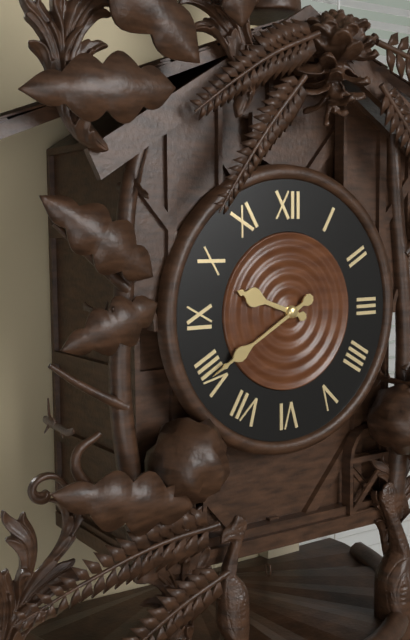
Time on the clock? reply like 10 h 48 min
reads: 9 h 40 min
